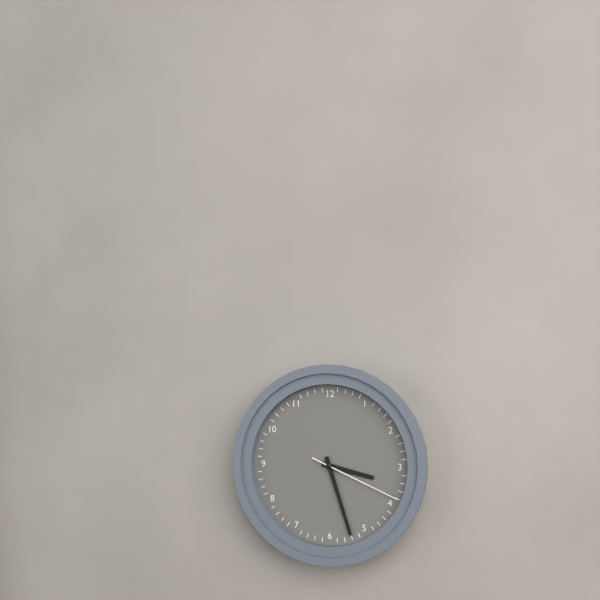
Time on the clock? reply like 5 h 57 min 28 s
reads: 3 h 27 min 19 s
